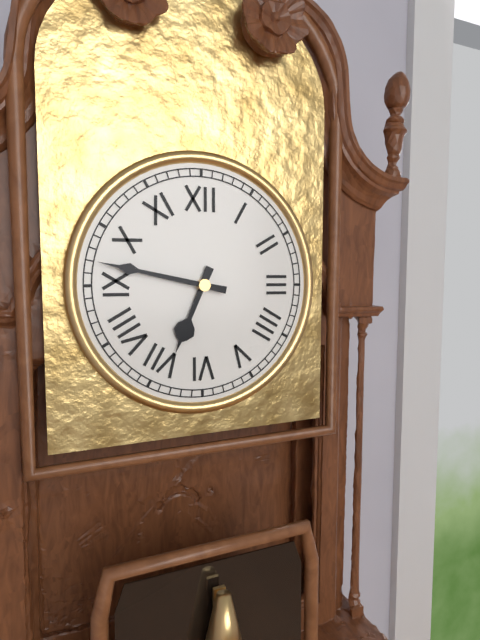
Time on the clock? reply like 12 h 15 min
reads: 6 h 47 min
